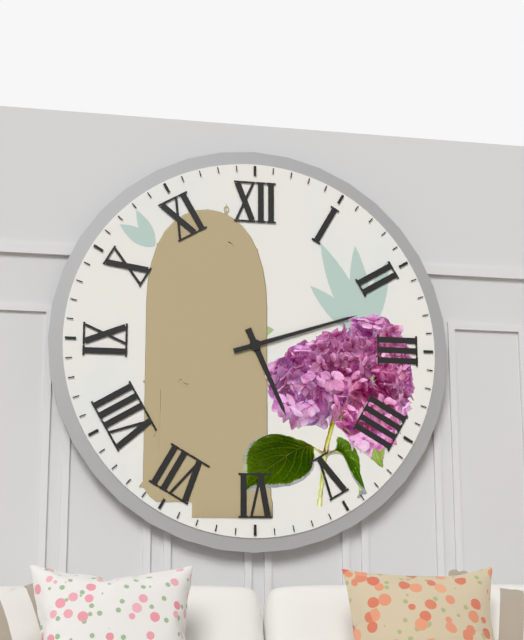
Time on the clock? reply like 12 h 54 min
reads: 5 h 12 min
